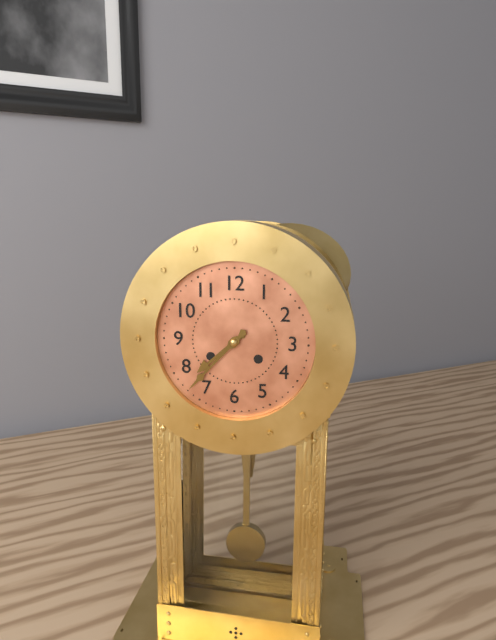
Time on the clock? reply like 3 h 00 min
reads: 7 h 37 min
